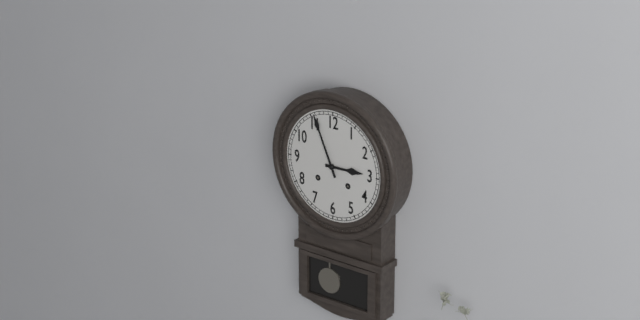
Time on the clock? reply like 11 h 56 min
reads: 2 h 56 min
